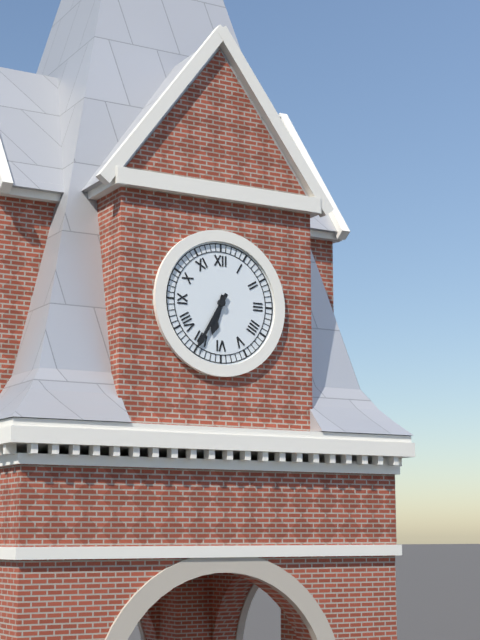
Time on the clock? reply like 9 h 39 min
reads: 6 h 35 min
